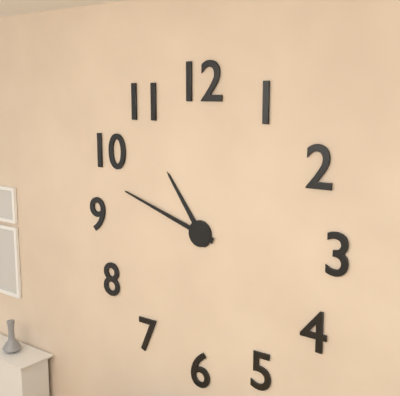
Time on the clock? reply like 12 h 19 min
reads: 10 h 48 min
